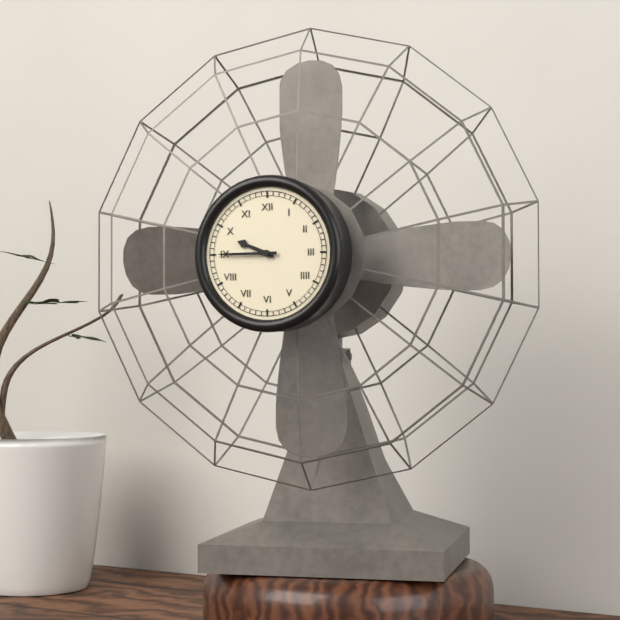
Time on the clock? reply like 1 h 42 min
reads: 9 h 45 min
